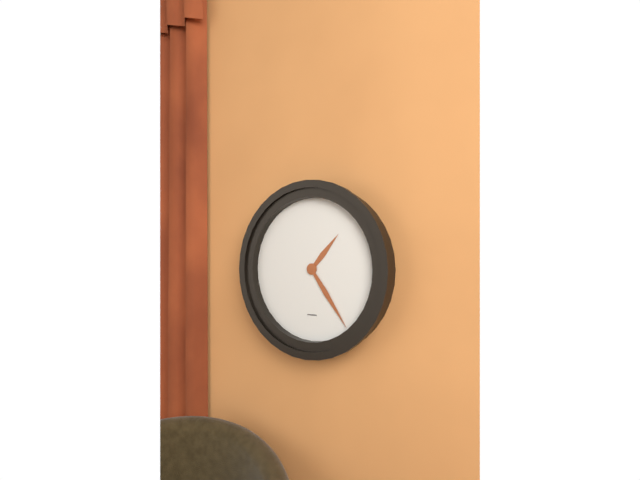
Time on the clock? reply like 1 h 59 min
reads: 1 h 24 min
